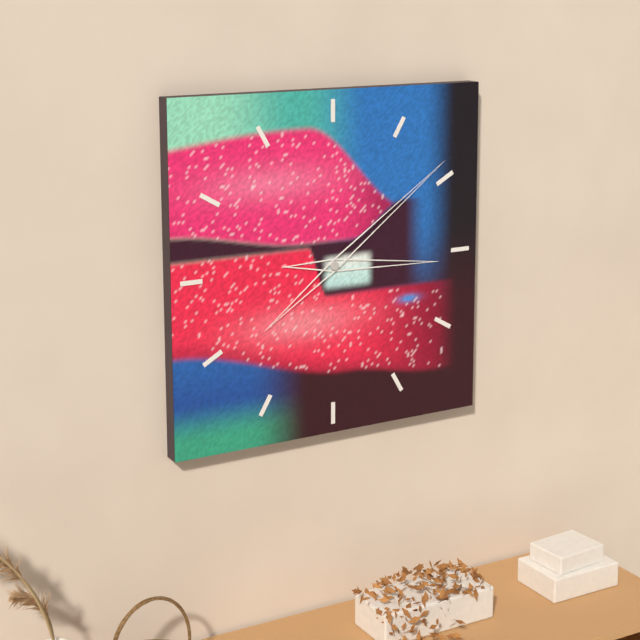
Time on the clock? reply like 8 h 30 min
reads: 3 h 09 min
